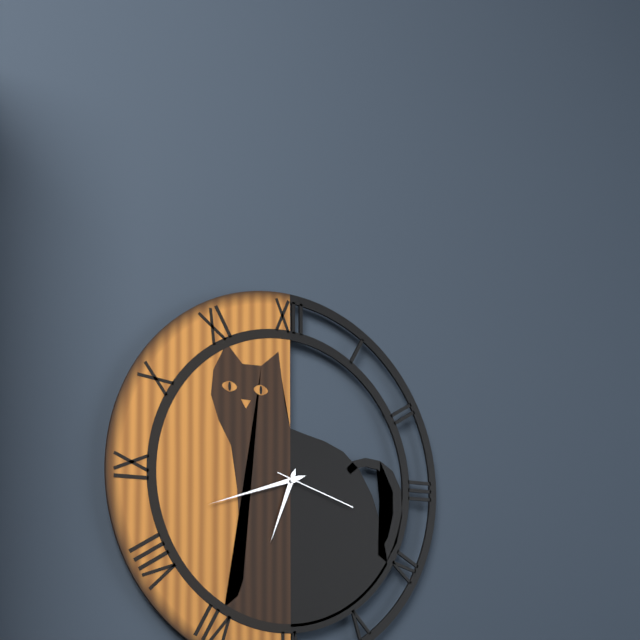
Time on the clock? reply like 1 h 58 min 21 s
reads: 6 h 42 min 18 s
